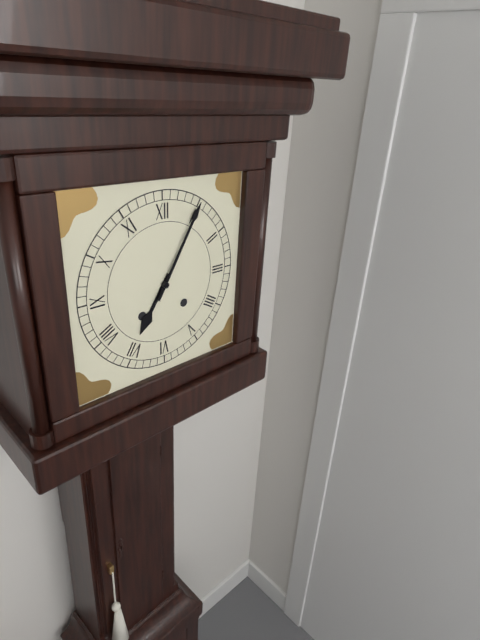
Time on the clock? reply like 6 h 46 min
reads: 7 h 05 min
